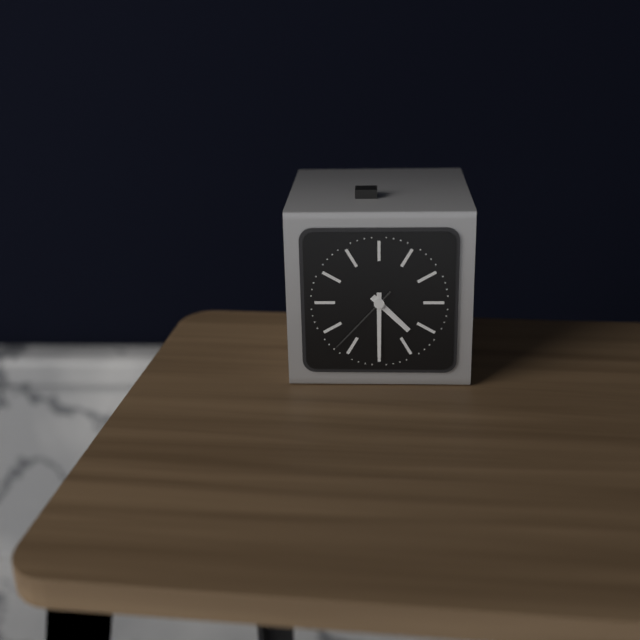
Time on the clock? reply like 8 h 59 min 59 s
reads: 4 h 30 min 37 s
